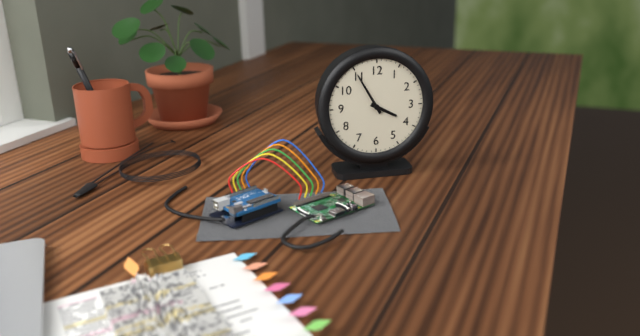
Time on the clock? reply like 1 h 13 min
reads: 3 h 55 min
